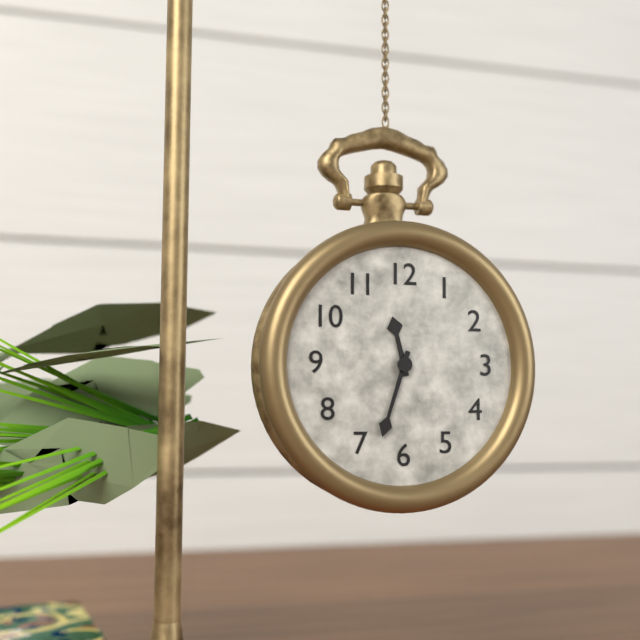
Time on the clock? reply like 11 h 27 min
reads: 11 h 33 min
